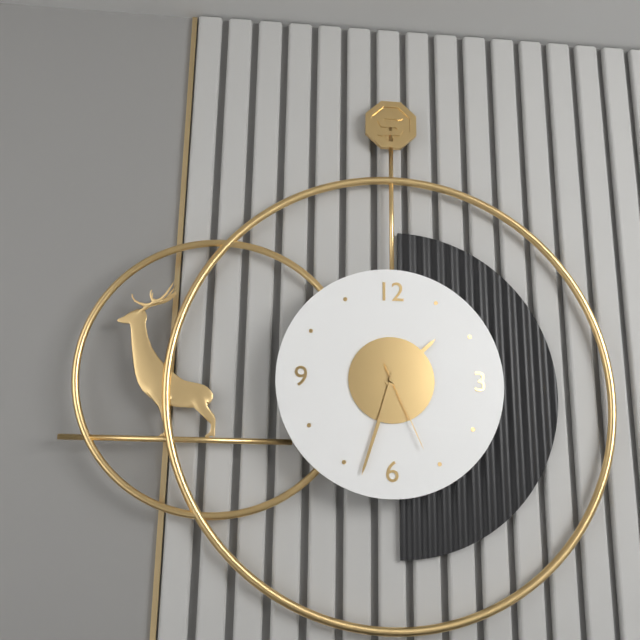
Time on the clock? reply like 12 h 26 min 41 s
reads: 1 h 33 min 26 s
